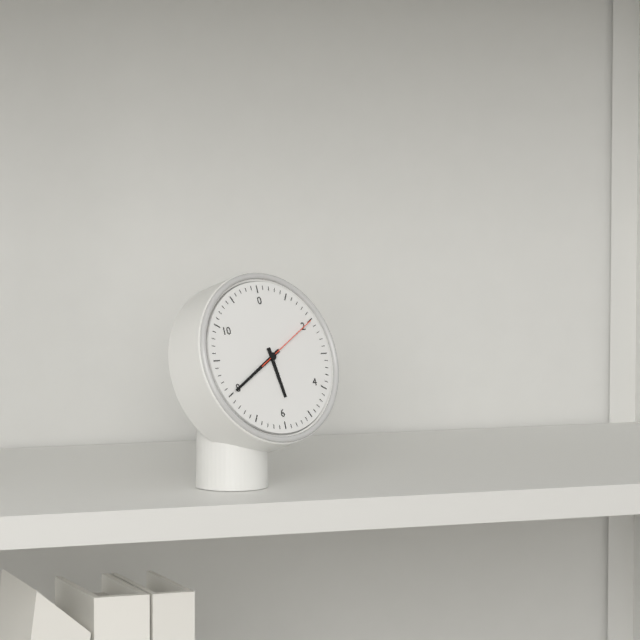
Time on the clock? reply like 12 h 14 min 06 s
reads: 5 h 40 min 10 s
